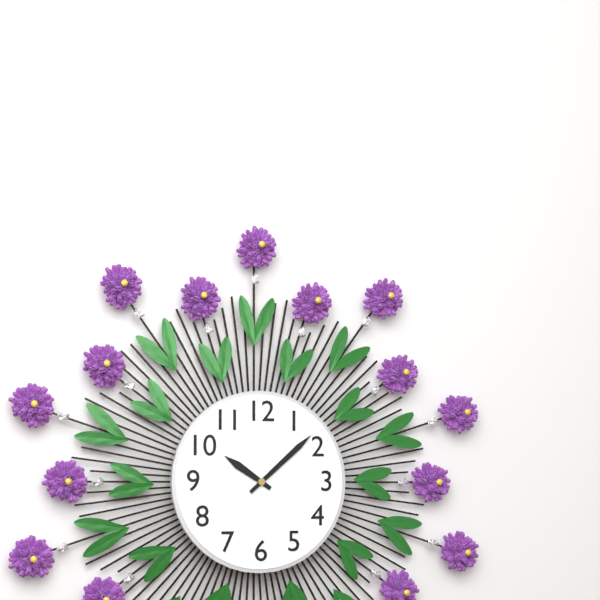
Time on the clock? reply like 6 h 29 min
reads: 10 h 08 min
